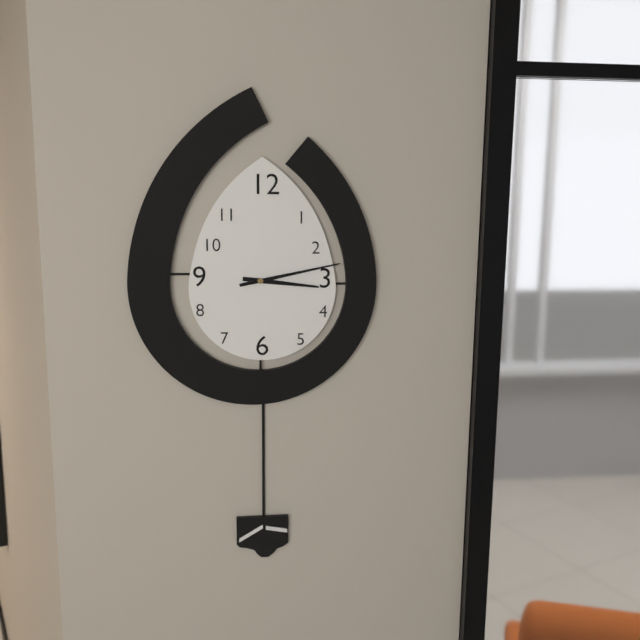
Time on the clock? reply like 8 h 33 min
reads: 3 h 13 min
